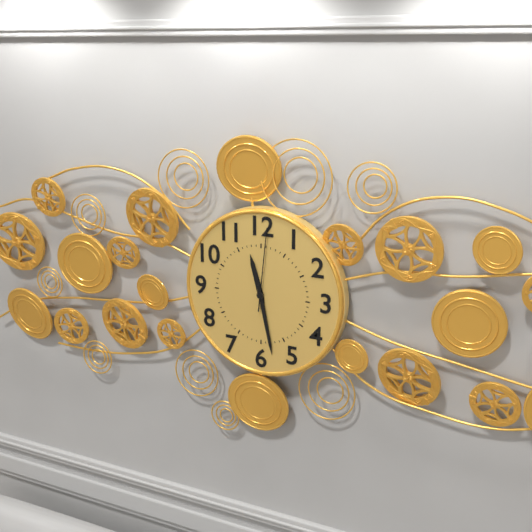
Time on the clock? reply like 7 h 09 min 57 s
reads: 11 h 28 min 01 s
